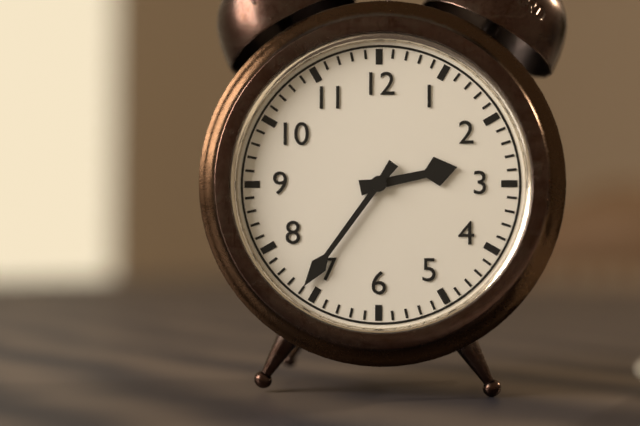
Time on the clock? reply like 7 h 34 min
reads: 2 h 36 min
